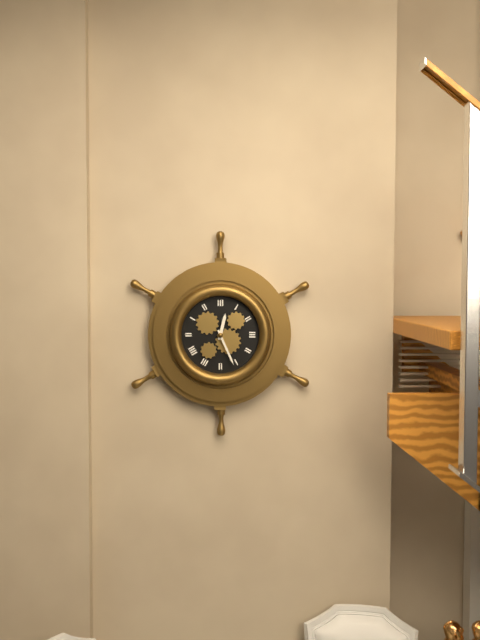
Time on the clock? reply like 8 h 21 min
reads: 12 h 26 min
